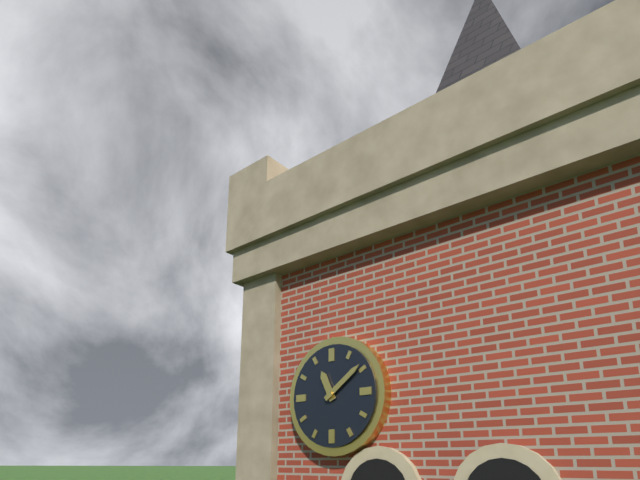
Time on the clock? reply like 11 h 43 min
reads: 11 h 09 min
